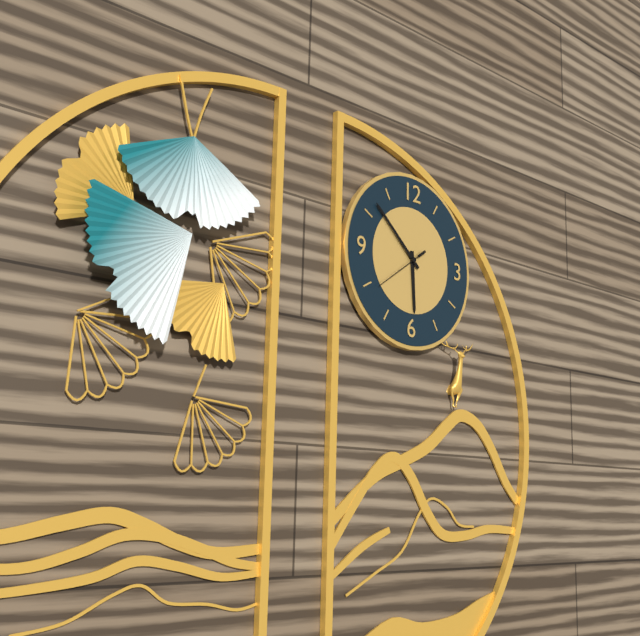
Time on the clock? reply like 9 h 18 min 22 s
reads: 5 h 52 min 39 s
